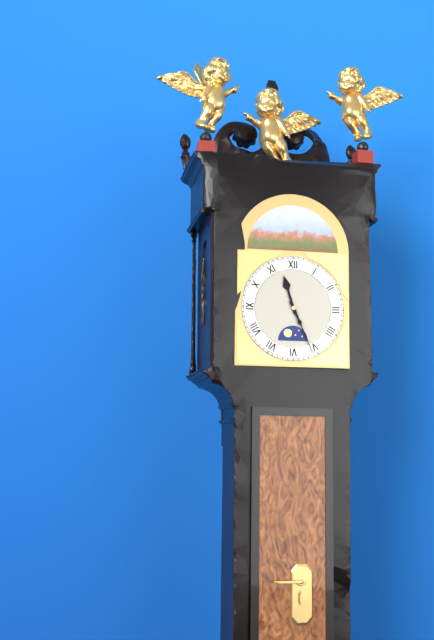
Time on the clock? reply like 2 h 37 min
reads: 11 h 26 min
